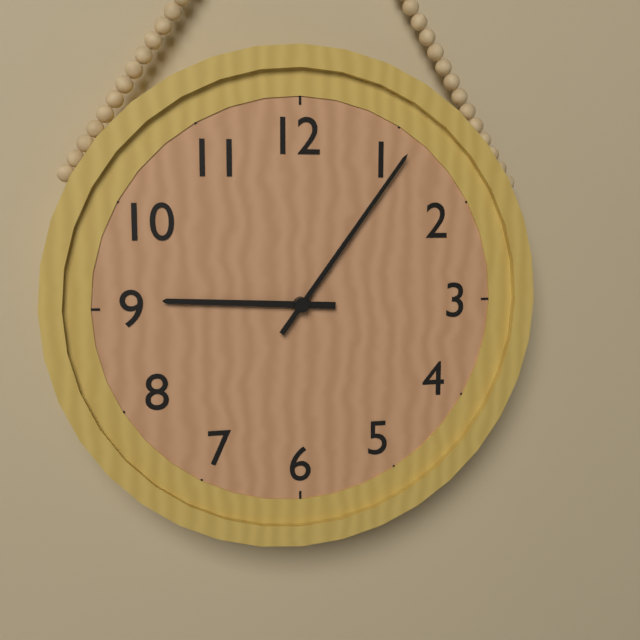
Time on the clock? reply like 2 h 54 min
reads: 9 h 06 min
